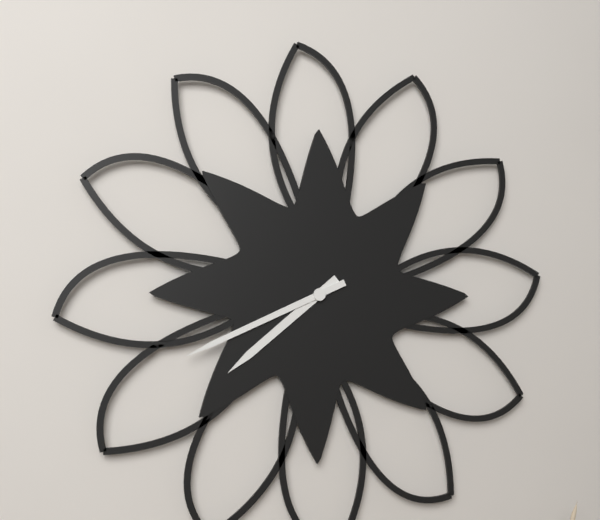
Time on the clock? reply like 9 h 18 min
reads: 7 h 41 min
